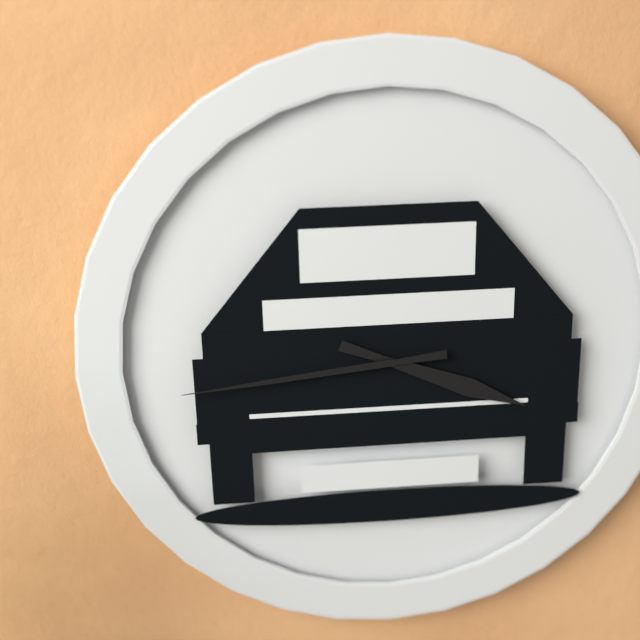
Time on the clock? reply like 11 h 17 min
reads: 3 h 44 min
